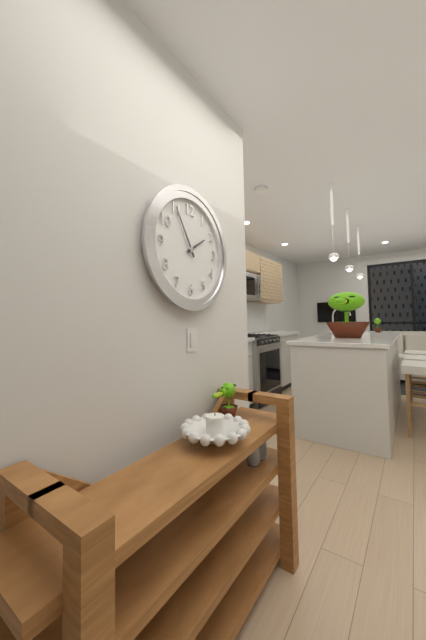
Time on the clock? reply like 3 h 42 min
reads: 1 h 55 min
